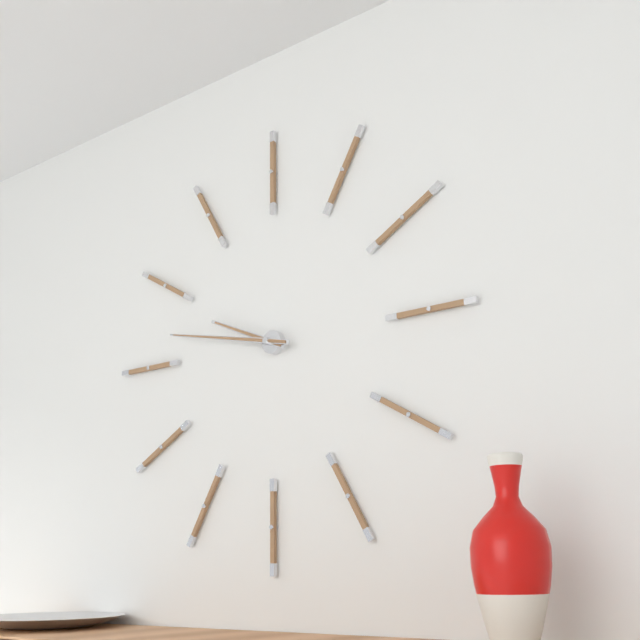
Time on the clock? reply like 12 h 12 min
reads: 9 h 47 min
